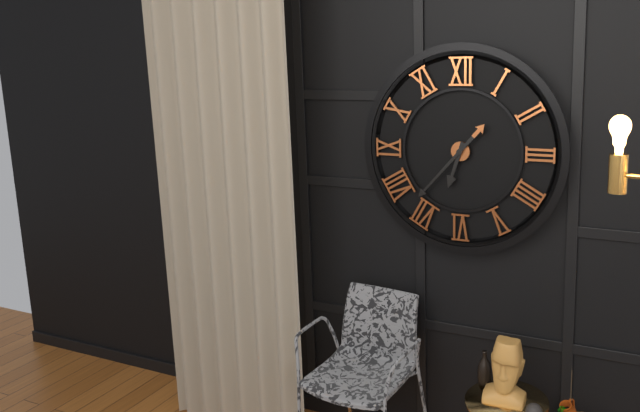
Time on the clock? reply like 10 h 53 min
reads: 6 h 37 min
